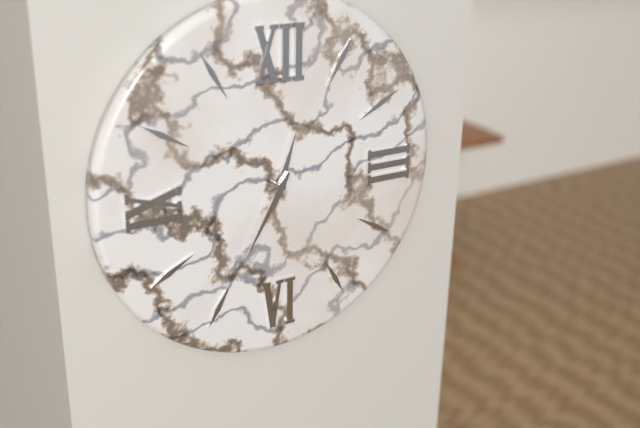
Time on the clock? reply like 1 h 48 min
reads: 12 h 35 min
